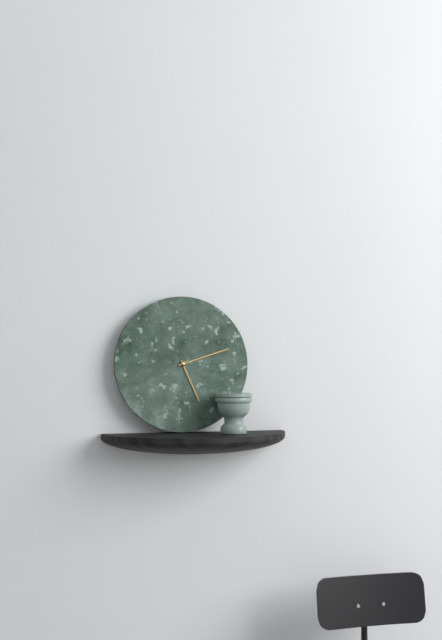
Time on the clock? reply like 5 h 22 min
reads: 5 h 12 min
